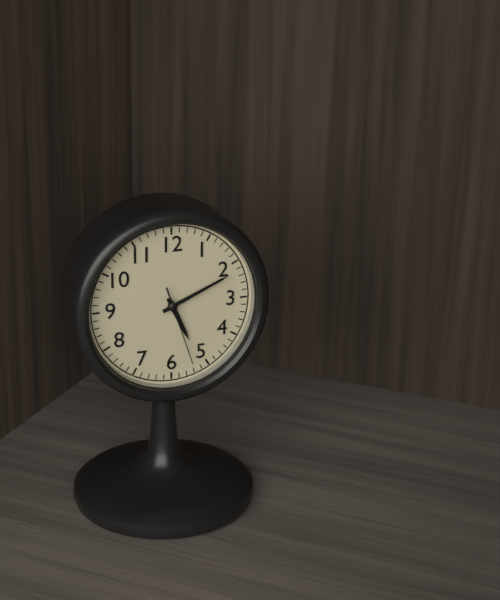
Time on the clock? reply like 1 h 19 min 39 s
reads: 5 h 11 min 27 s
